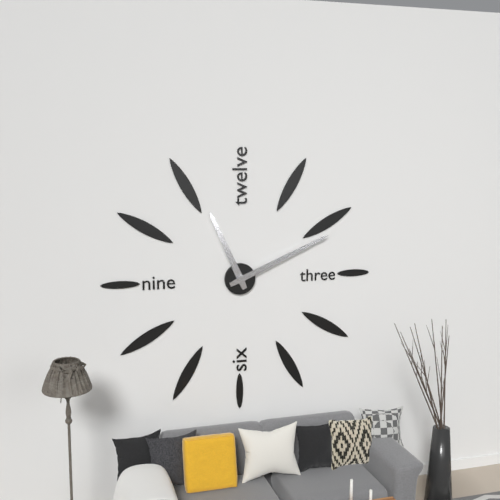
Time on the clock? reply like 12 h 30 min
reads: 11 h 11 min
